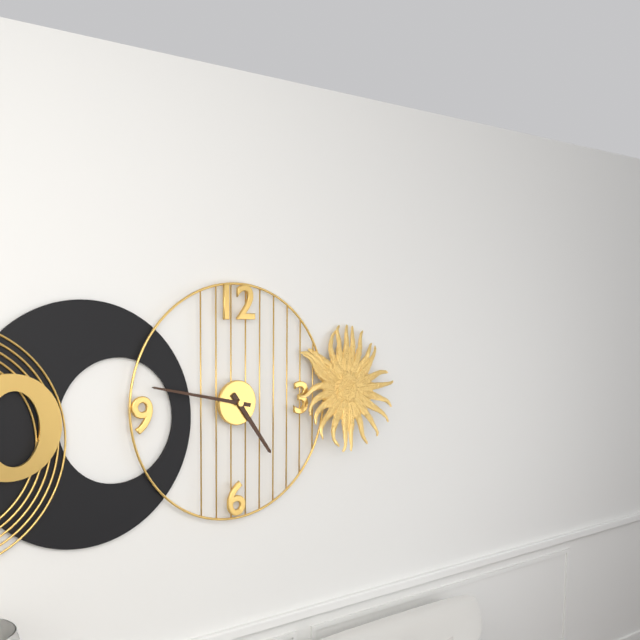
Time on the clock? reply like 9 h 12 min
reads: 4 h 47 min
